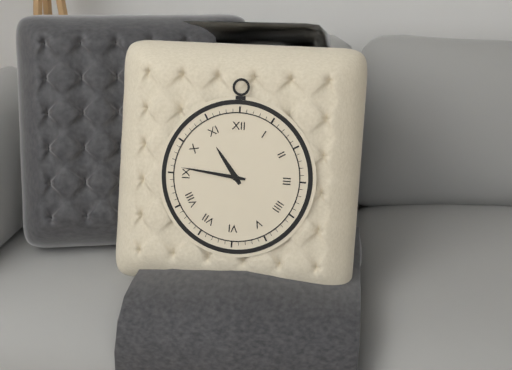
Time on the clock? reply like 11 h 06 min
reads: 10 h 46 min
